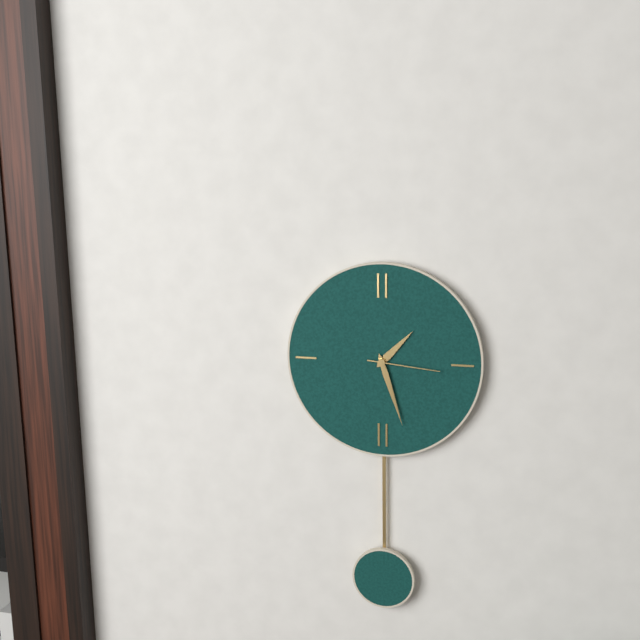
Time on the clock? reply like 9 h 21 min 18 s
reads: 1 h 27 min 16 s
